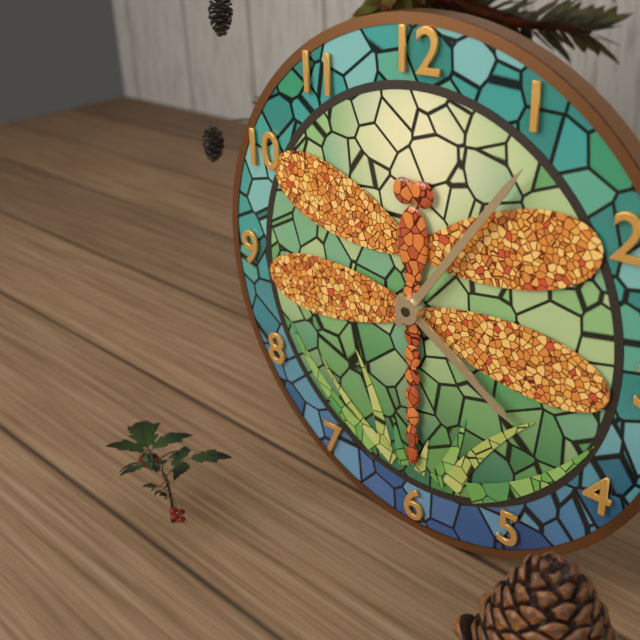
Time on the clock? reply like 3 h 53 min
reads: 4 h 06 min
